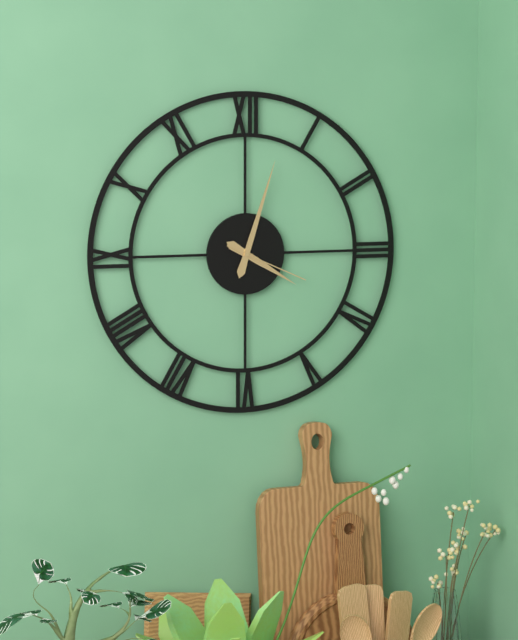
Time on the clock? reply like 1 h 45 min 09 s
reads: 4 h 03 min 19 s
